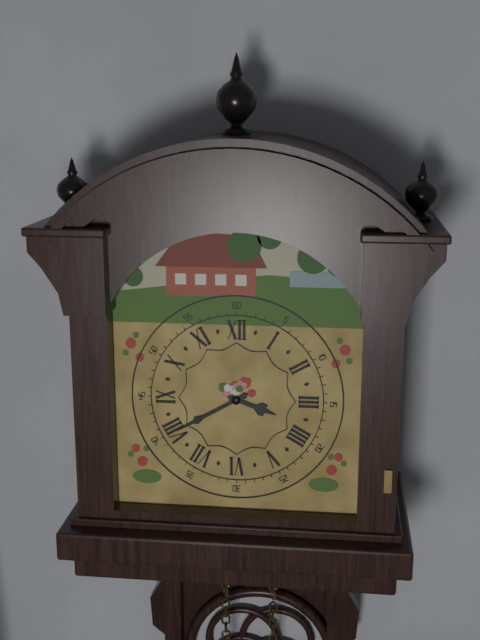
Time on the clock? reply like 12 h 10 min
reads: 3 h 40 min
